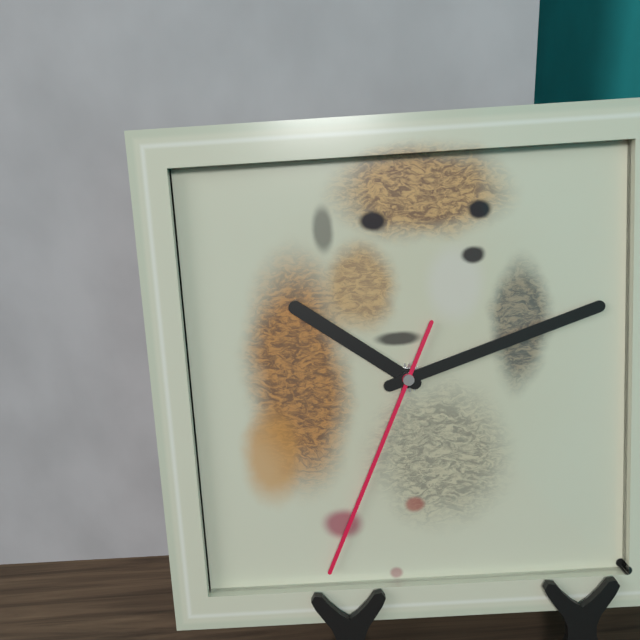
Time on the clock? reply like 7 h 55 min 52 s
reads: 10 h 12 min 34 s
